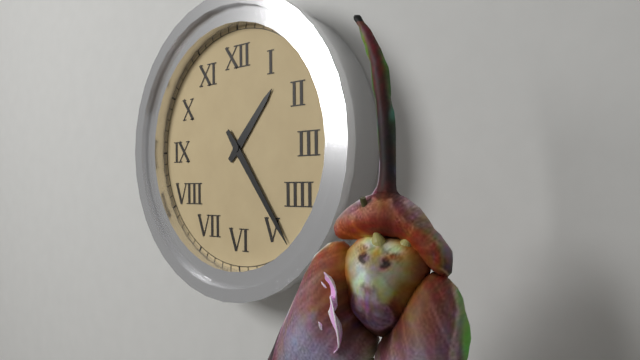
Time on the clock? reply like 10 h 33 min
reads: 1 h 24 min
